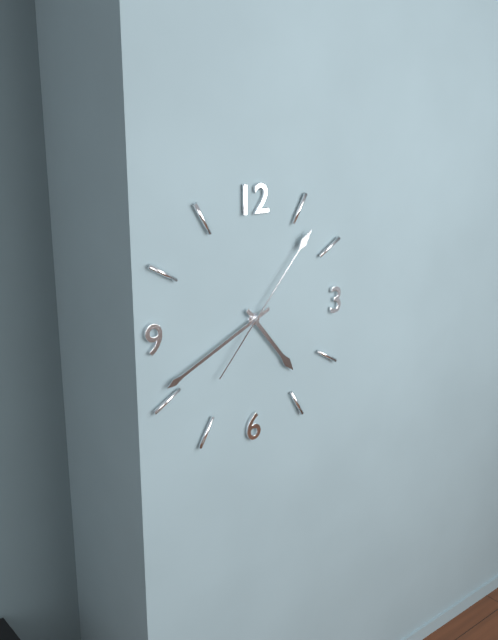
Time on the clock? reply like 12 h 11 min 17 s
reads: 4 h 41 min 07 s
